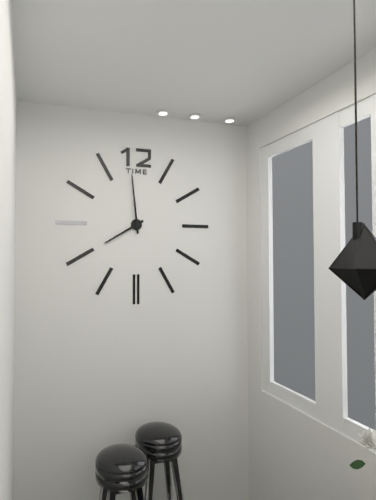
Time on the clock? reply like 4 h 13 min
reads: 7 h 59 min
